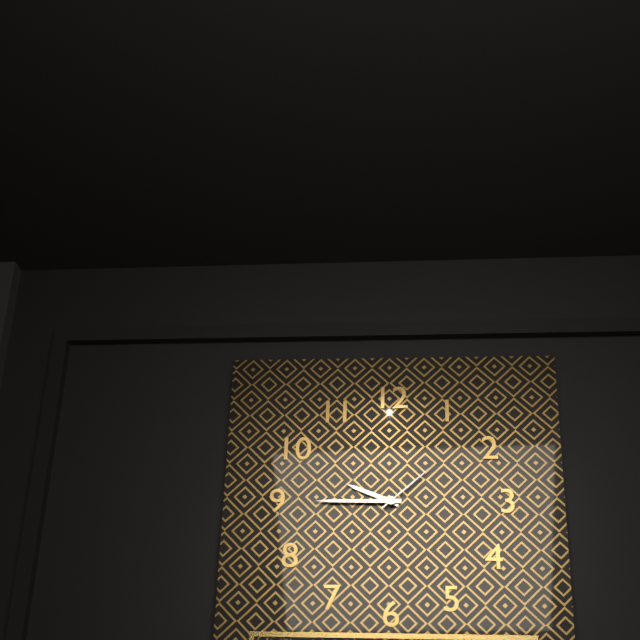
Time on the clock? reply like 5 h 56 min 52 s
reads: 9 h 45 min 08 s
